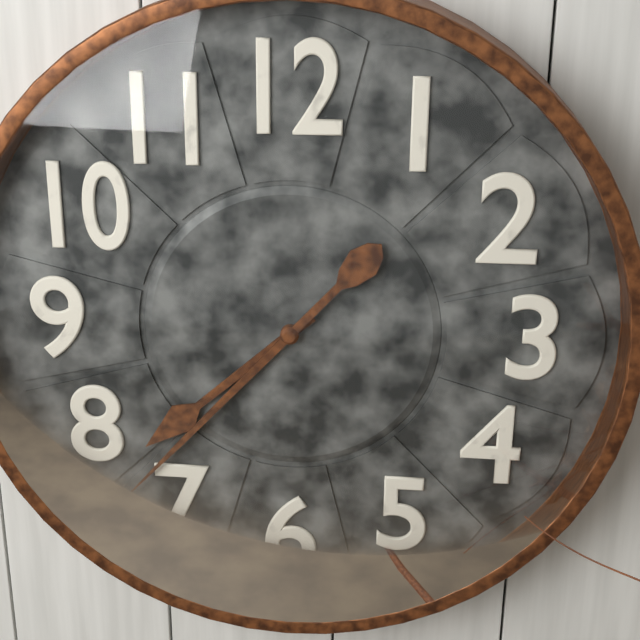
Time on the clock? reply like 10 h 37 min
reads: 7 h 37 min
